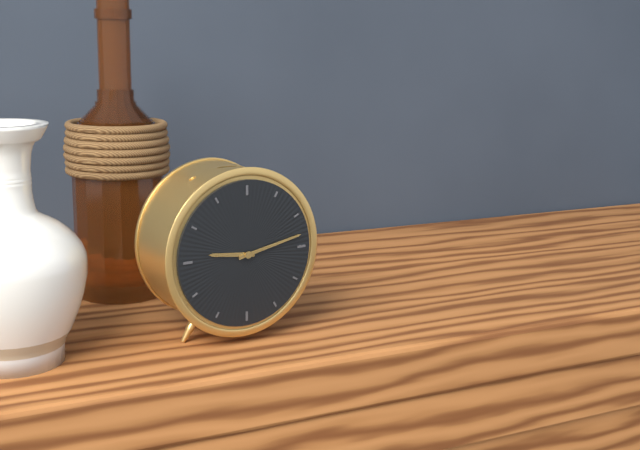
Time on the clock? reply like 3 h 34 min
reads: 9 h 13 min
